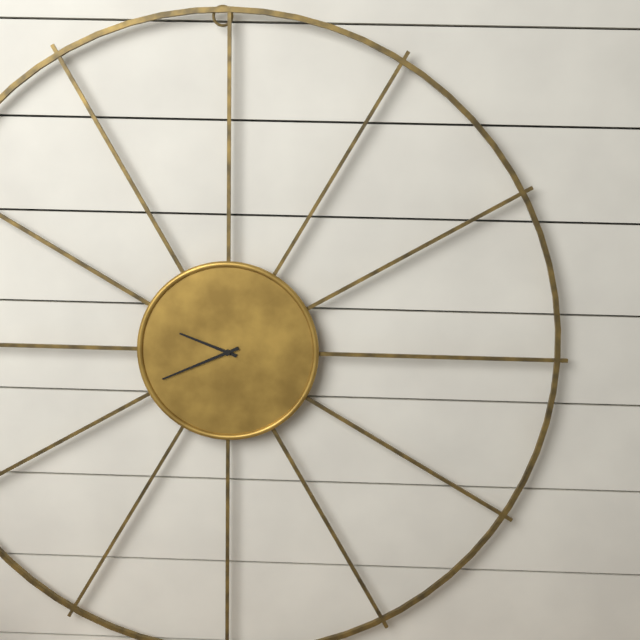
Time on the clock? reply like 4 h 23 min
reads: 9 h 41 min
